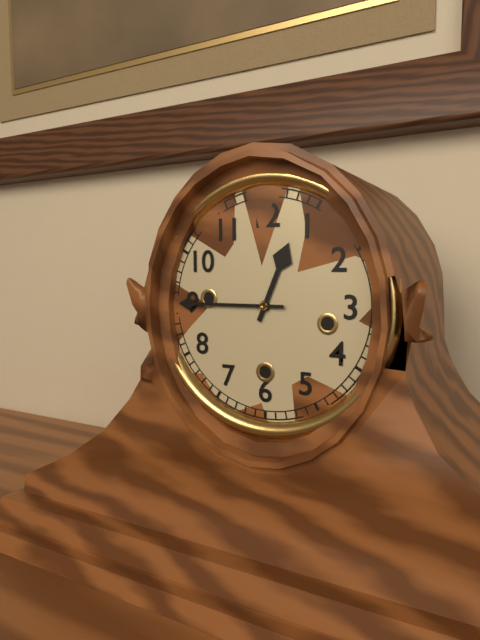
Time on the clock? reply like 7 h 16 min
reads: 12 h 45 min
